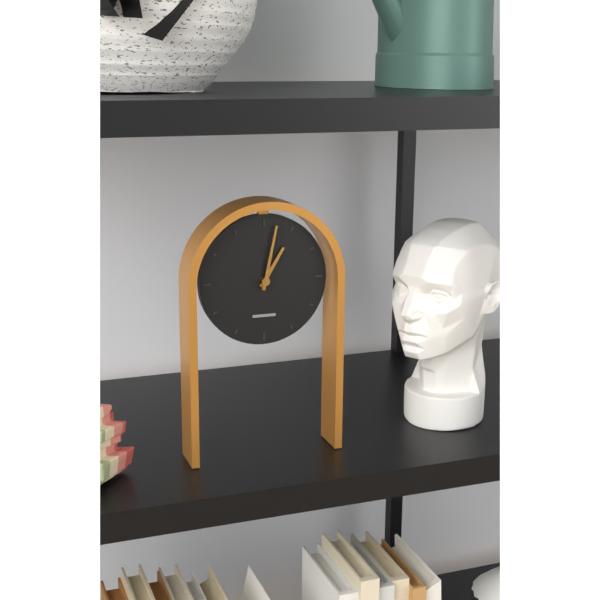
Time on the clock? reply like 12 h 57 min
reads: 1 h 02 min
